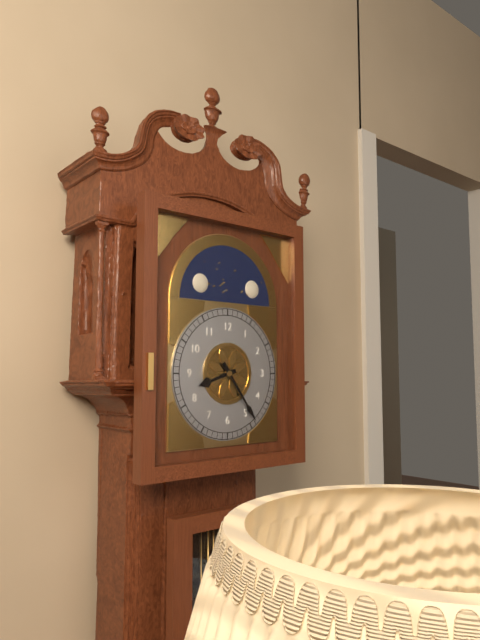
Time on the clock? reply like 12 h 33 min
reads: 8 h 24 min
